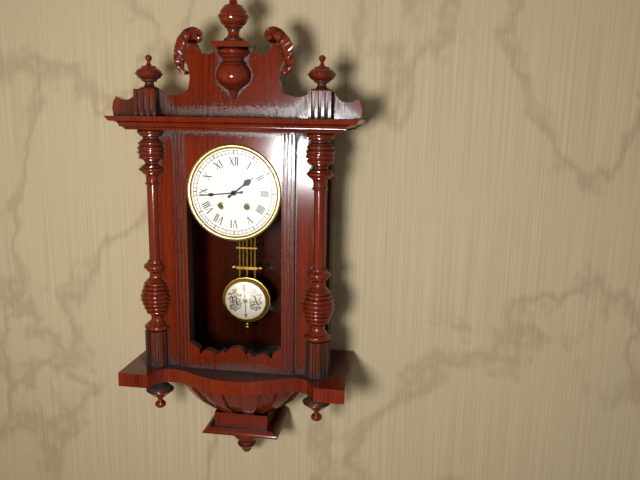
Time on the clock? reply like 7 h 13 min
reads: 1 h 44 min
